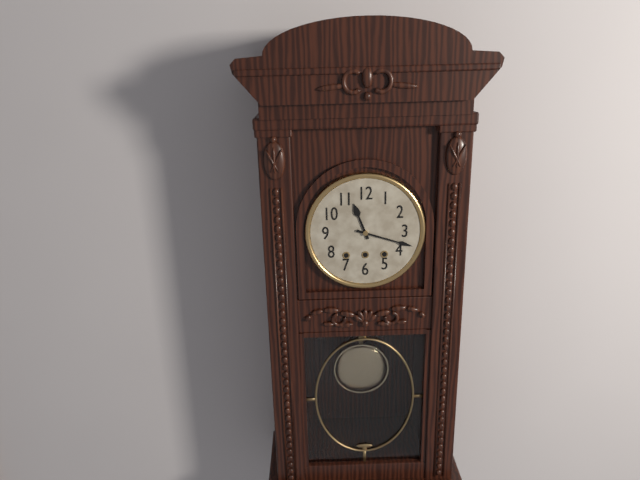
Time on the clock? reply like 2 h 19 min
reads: 11 h 18 min
